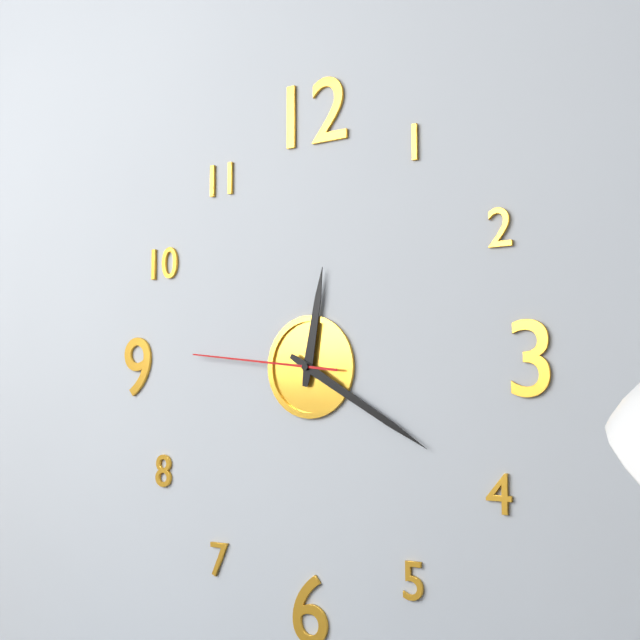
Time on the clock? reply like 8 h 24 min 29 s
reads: 12 h 20 min 46 s
